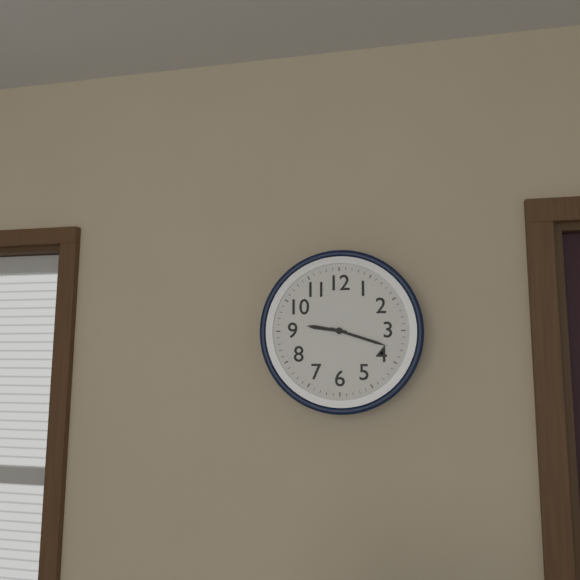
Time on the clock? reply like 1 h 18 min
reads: 9 h 18 min
